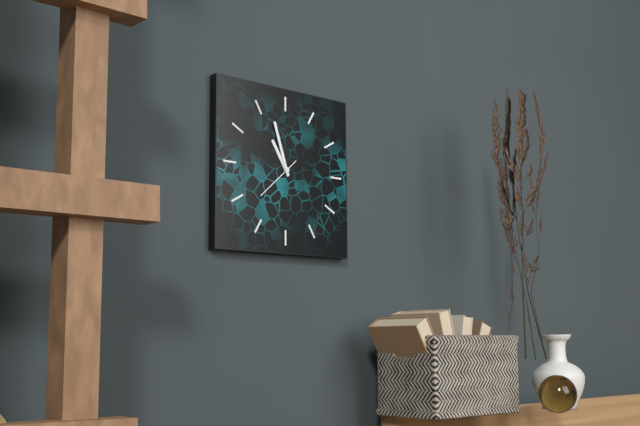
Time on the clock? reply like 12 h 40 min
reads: 10 h 57 min
